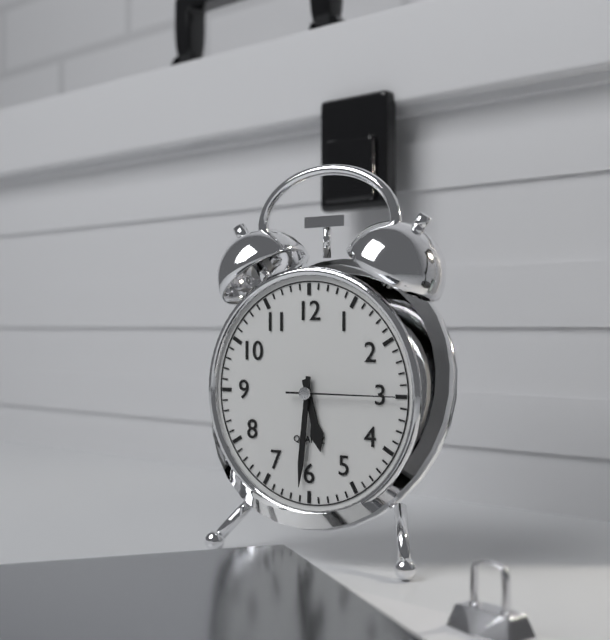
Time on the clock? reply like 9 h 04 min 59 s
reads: 5 h 31 min 15 s
